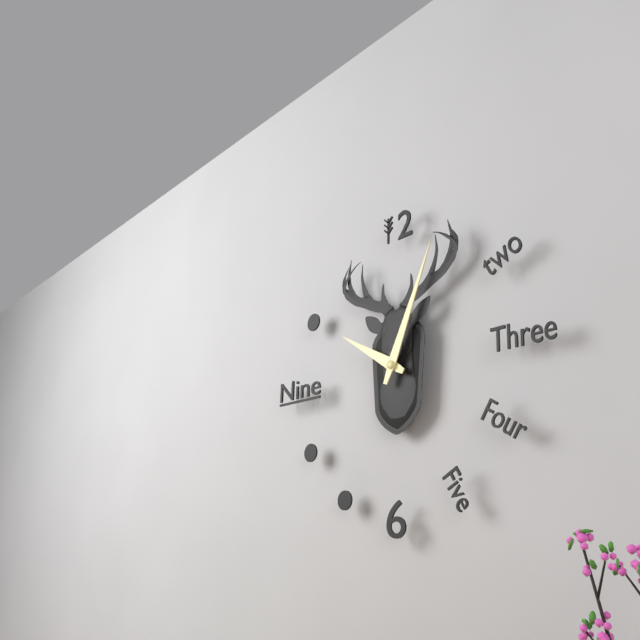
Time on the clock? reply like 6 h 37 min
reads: 10 h 04 min
